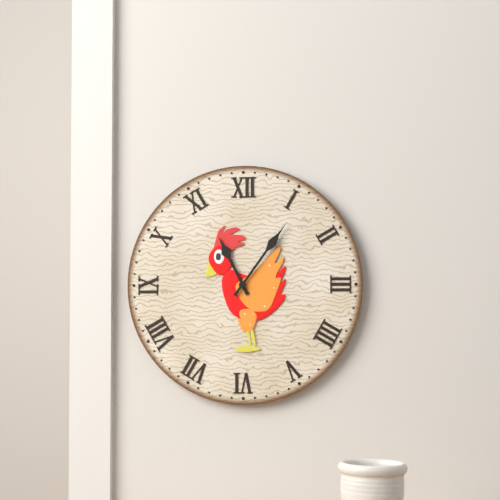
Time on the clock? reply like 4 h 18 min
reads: 11 h 06 min
